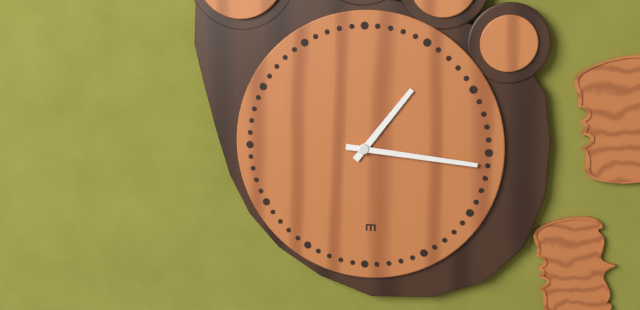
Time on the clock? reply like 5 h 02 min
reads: 1 h 16 min
